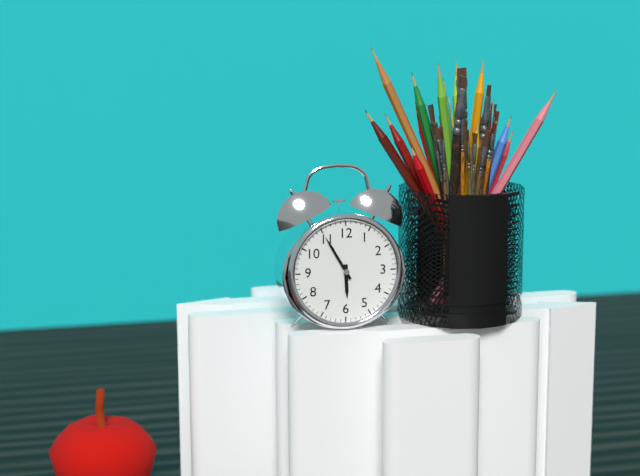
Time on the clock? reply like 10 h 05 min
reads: 5 h 55 min
